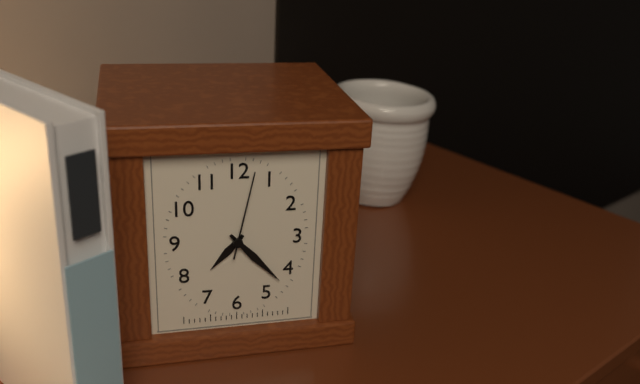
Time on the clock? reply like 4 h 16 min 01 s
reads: 7 h 23 min 02 s
